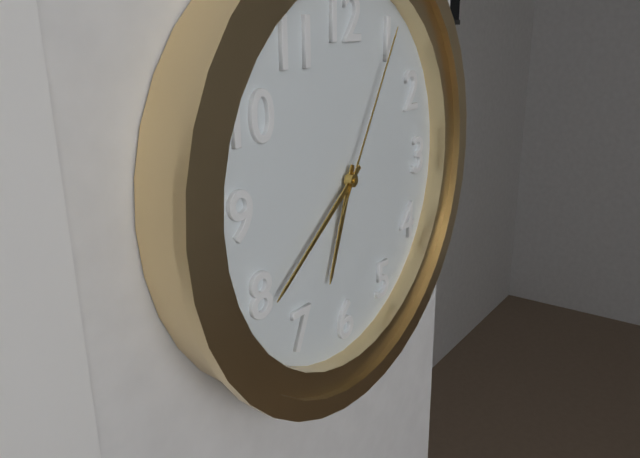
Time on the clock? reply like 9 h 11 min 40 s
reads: 6 h 39 min 05 s
